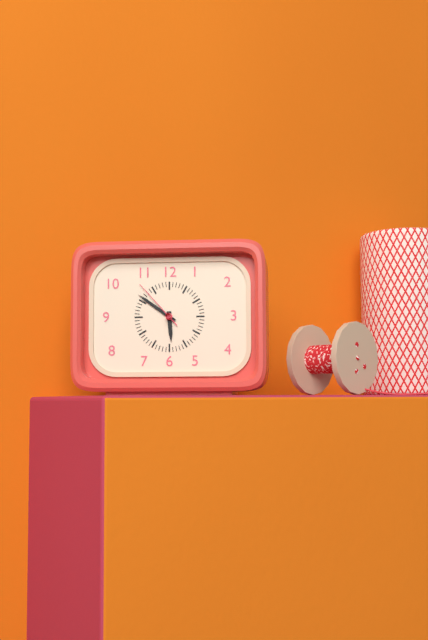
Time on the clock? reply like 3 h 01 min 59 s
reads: 5 h 51 min 53 s
